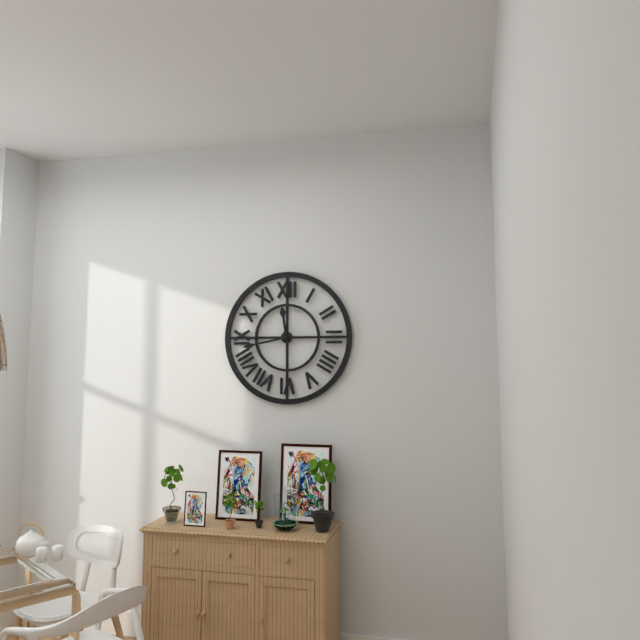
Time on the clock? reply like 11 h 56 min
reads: 11 h 43 min
